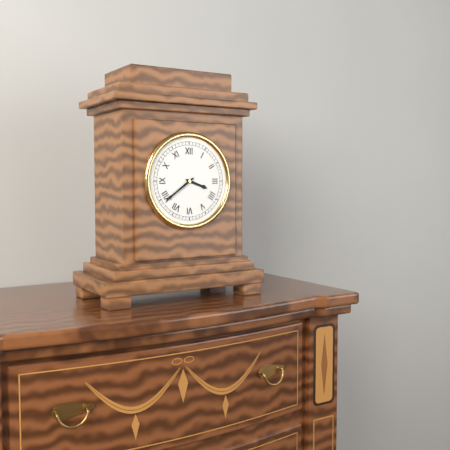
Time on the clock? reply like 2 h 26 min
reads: 3 h 39 min
